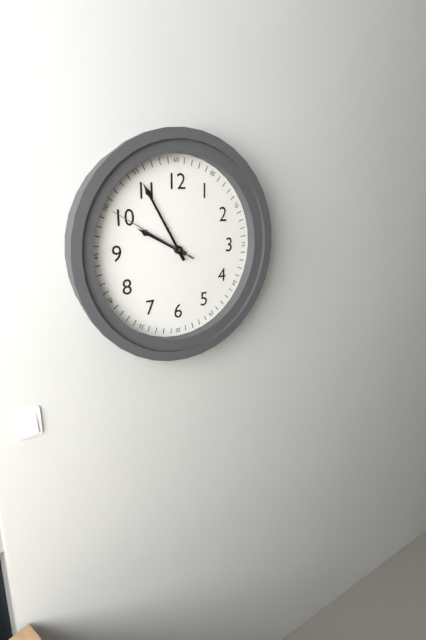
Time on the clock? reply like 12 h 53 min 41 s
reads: 9 h 55 min 50 s
